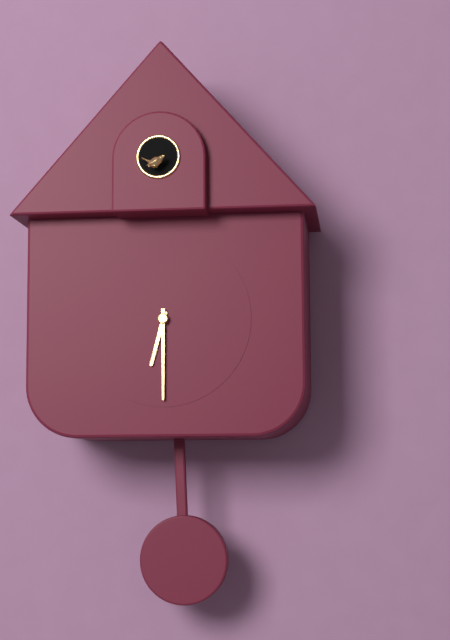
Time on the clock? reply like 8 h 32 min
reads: 6 h 30 min
